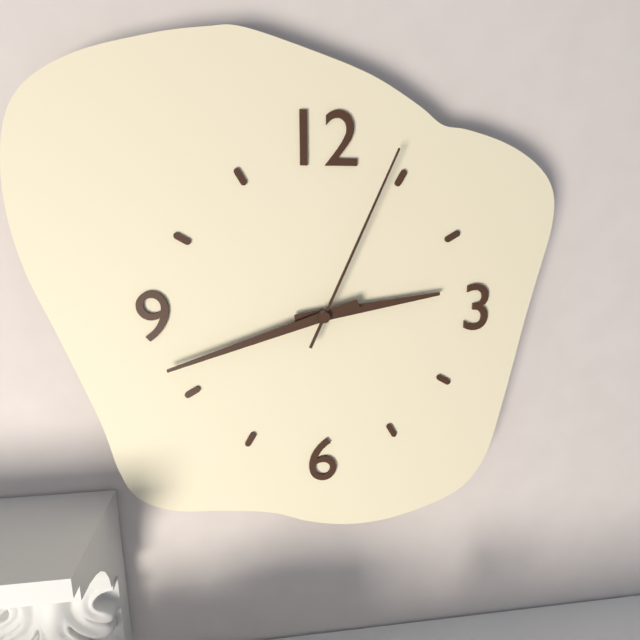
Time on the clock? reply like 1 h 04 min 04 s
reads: 2 h 42 min 04 s
